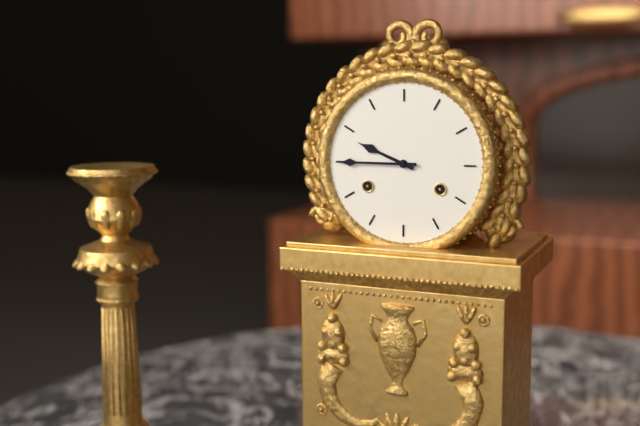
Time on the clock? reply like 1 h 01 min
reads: 9 h 45 min
